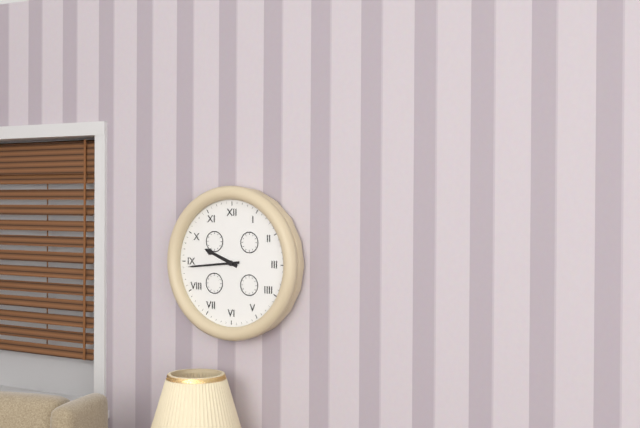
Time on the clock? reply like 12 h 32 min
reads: 9 h 44 min
